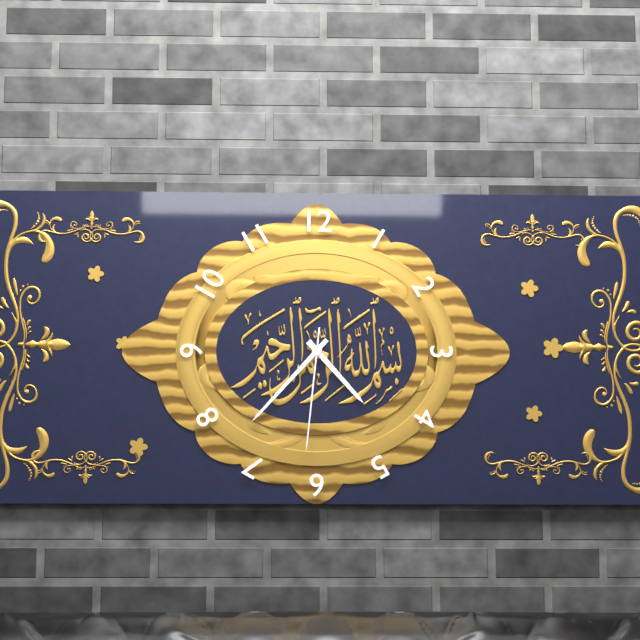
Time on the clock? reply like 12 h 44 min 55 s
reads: 4 h 37 min 31 s
